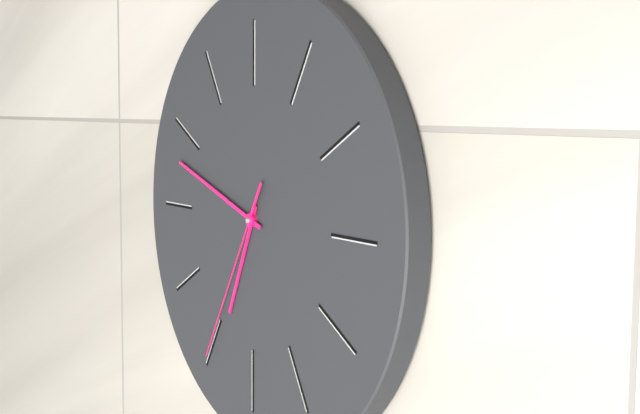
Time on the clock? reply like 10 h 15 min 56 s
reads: 6 h 48 min 35 s
